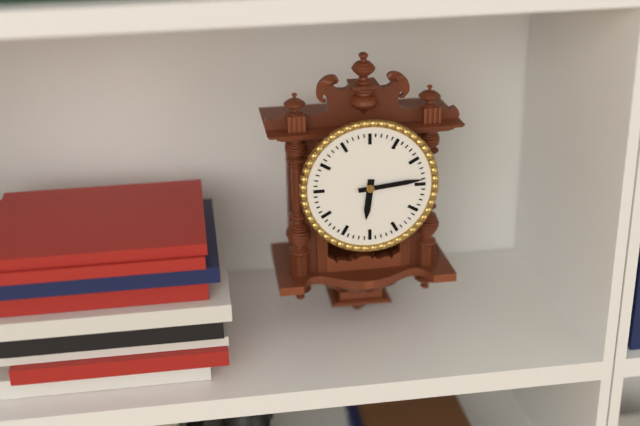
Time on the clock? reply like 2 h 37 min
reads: 6 h 14 min
